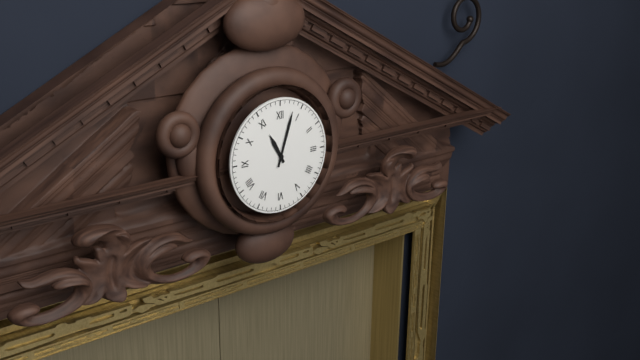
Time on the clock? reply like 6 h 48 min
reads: 11 h 03 min
